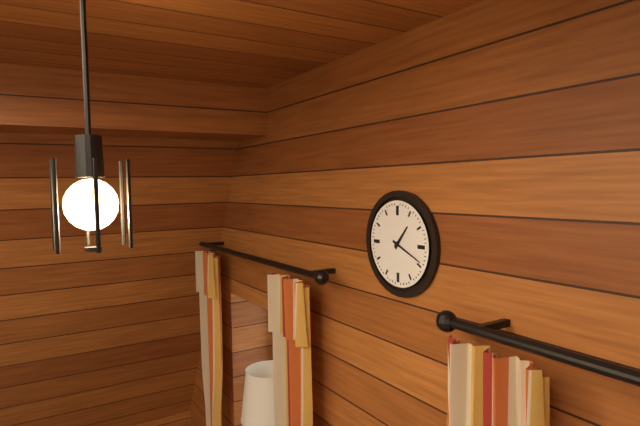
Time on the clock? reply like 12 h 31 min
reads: 1 h 19 min
